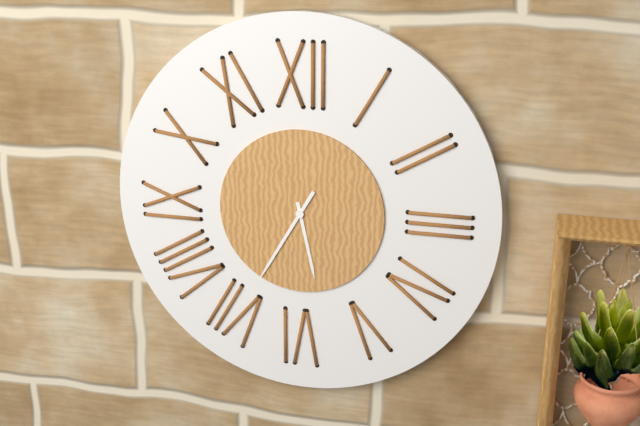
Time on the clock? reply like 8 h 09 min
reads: 5 h 35 min
